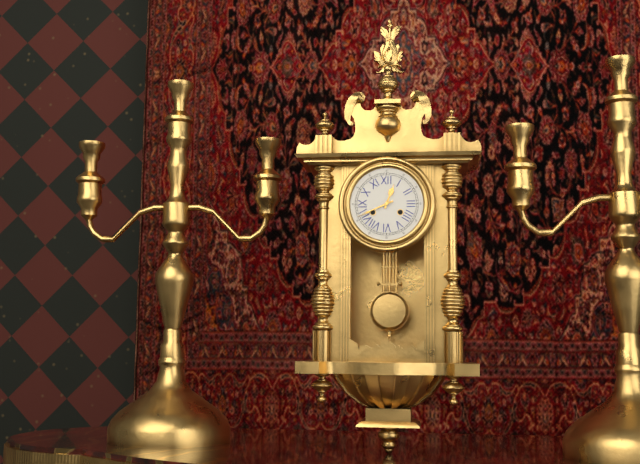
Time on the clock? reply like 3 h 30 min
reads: 12 h 41 min
